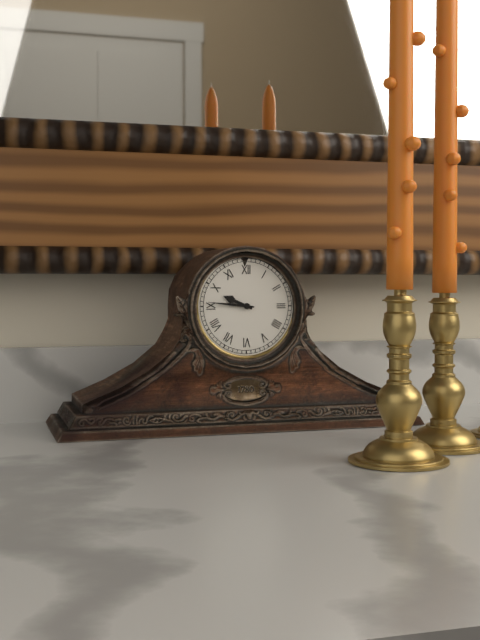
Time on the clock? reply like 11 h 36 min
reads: 9 h 46 min
